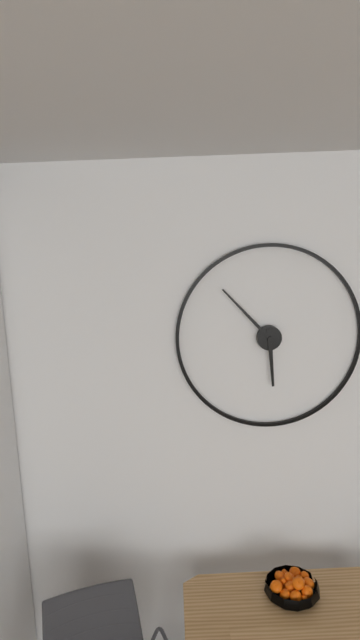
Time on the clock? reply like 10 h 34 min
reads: 5 h 53 min
